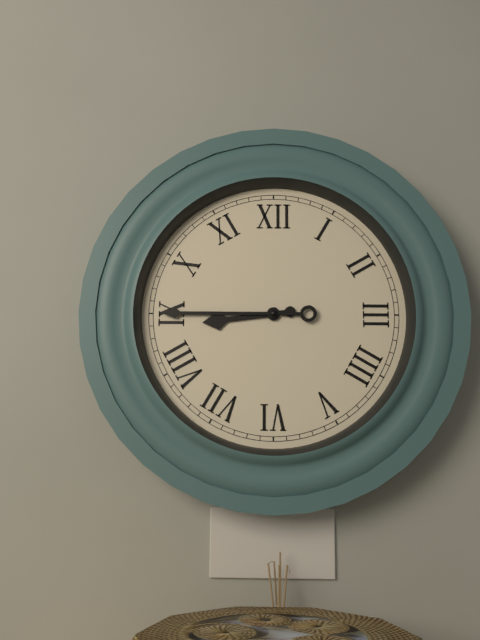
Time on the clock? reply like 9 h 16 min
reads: 8 h 45 min
